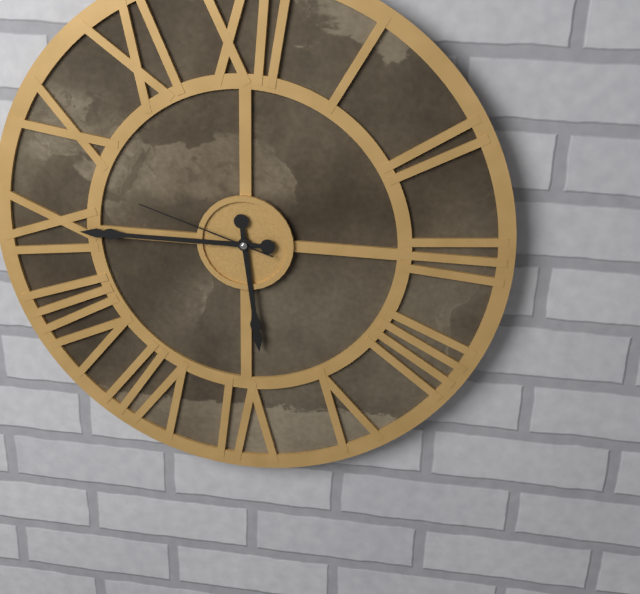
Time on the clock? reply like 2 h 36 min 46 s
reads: 5 h 45 min 48 s
